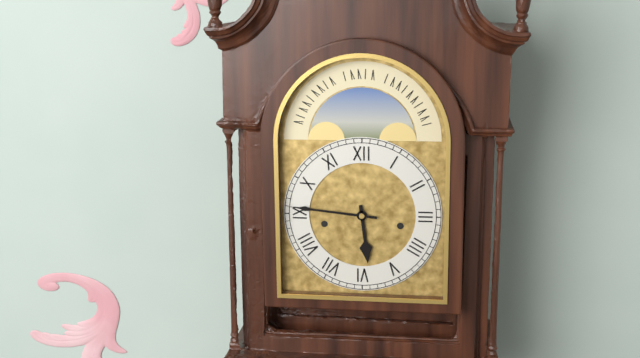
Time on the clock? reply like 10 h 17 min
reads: 5 h 46 min
